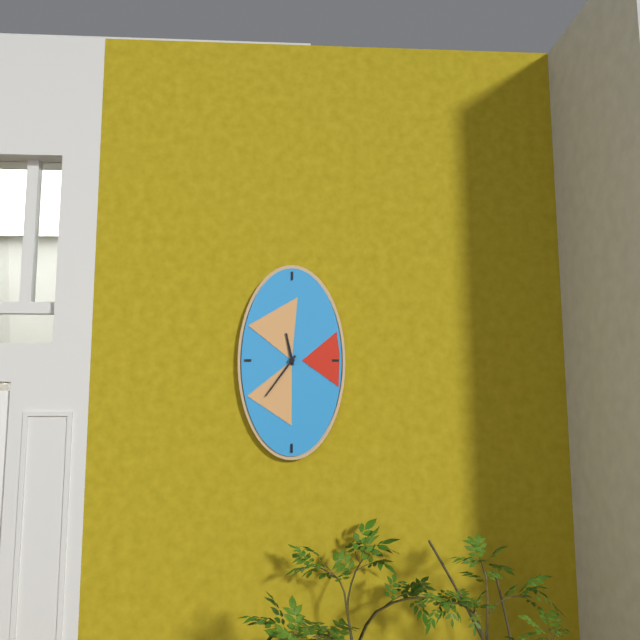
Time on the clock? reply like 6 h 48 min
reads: 11 h 36 min
